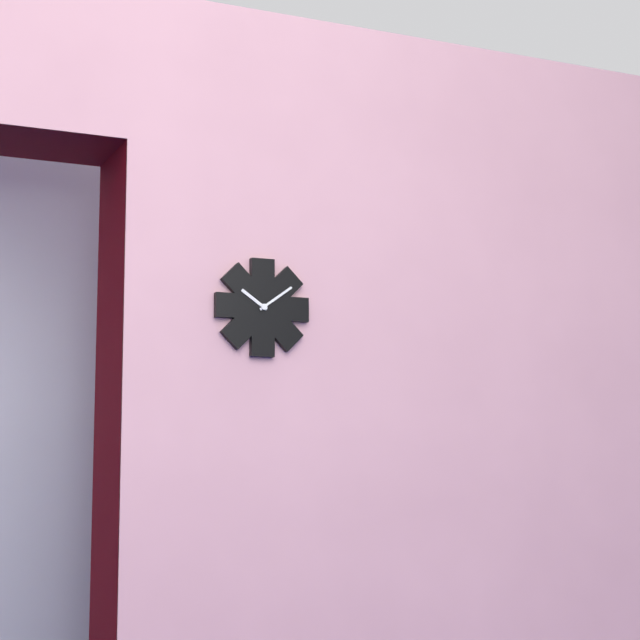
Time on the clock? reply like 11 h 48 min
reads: 10 h 09 min
